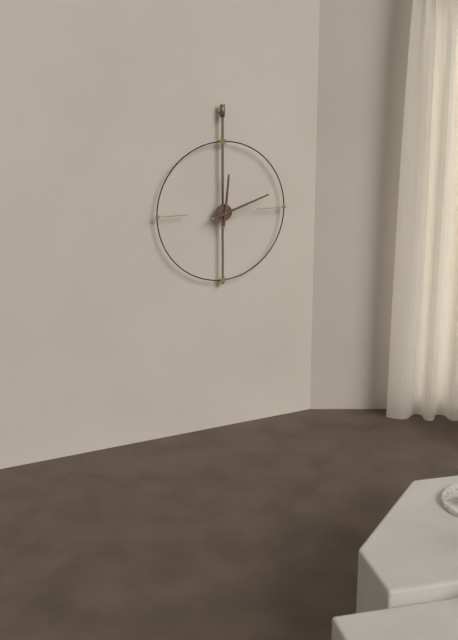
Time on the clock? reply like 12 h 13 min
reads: 12 h 12 min
